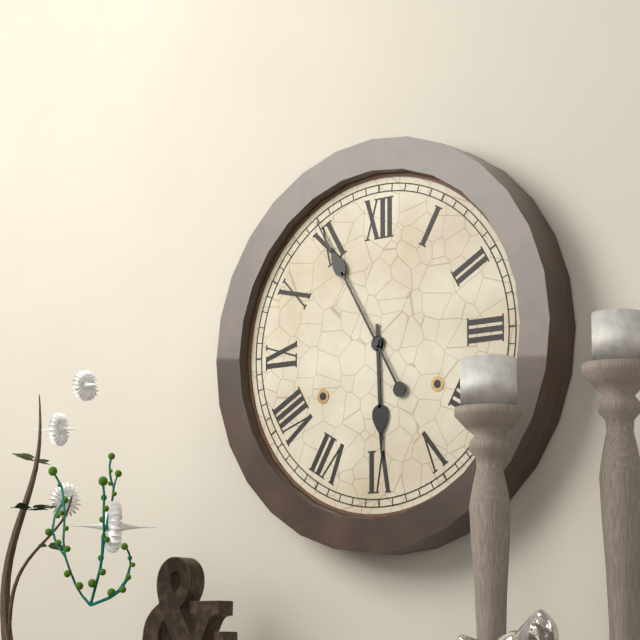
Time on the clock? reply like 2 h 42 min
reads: 5 h 55 min
